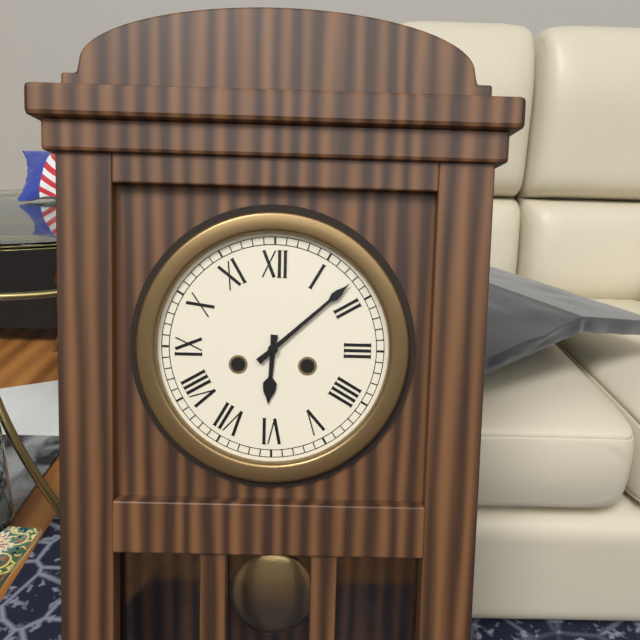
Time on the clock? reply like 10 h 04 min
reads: 6 h 08 min
